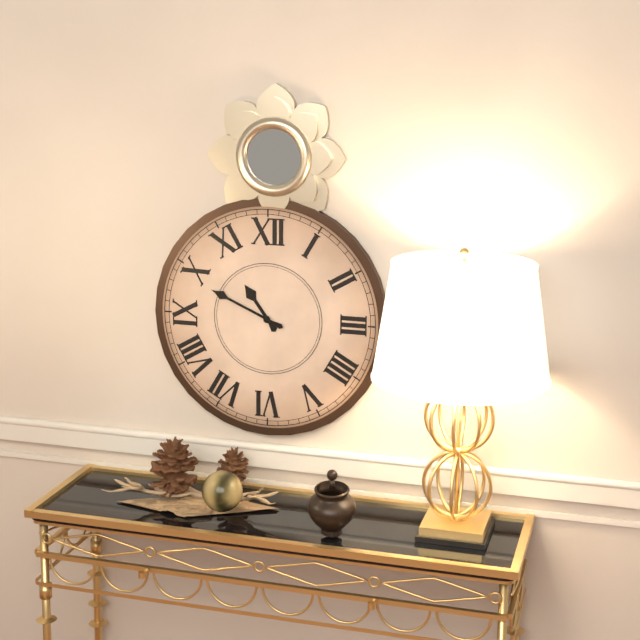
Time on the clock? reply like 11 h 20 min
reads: 10 h 49 min
